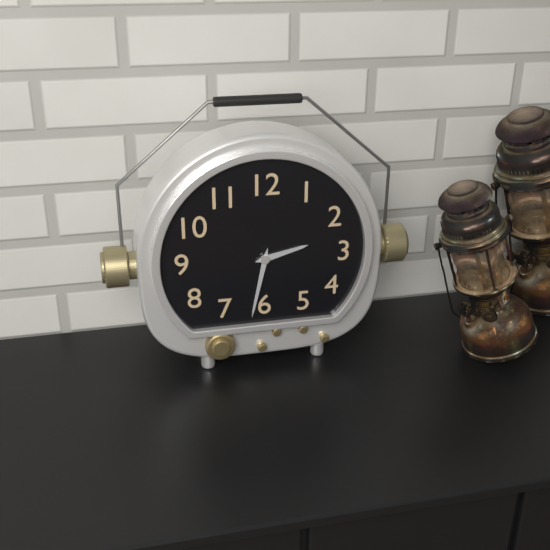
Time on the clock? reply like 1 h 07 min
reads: 2 h 32 min
